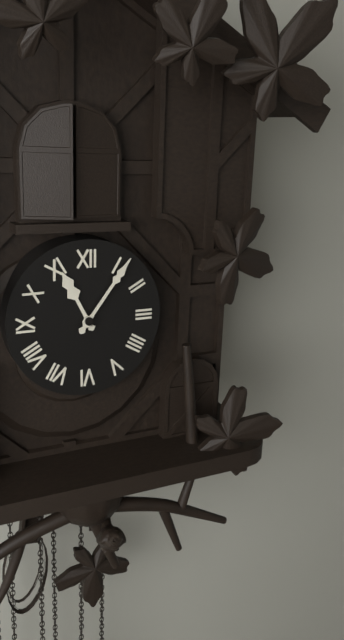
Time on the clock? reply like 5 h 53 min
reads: 11 h 06 min
